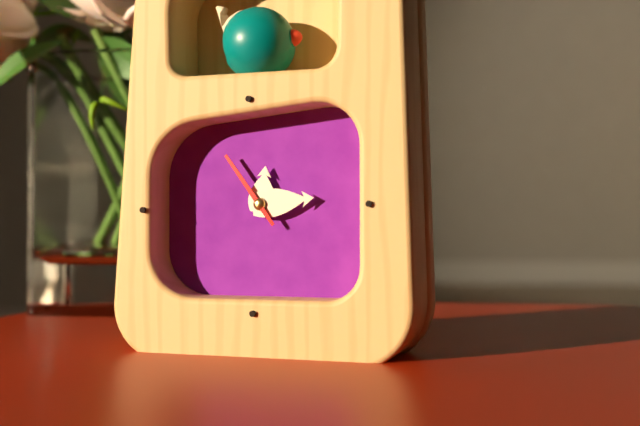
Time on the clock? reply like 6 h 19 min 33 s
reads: 12 h 14 min 54 s
